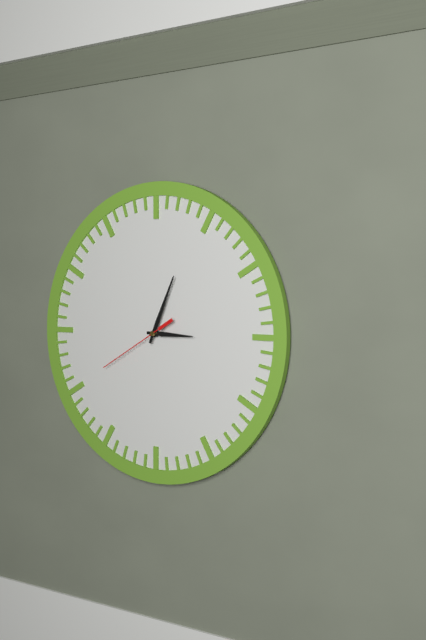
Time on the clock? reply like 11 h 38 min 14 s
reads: 3 h 04 min 40 s
